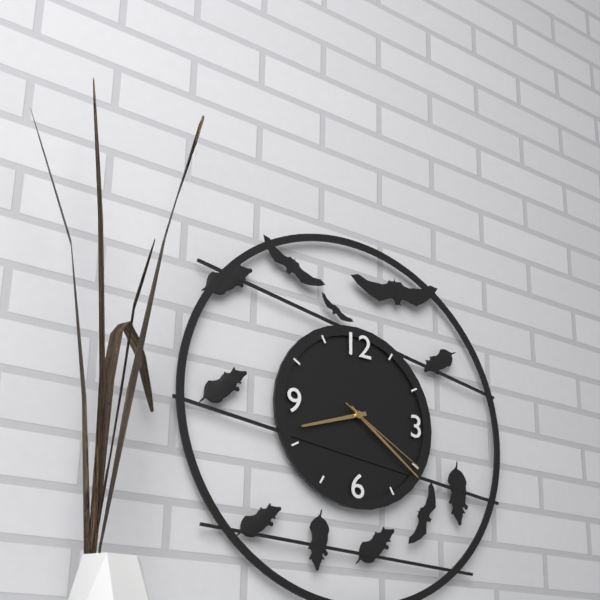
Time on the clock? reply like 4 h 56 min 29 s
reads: 8 h 21 min 20 s
